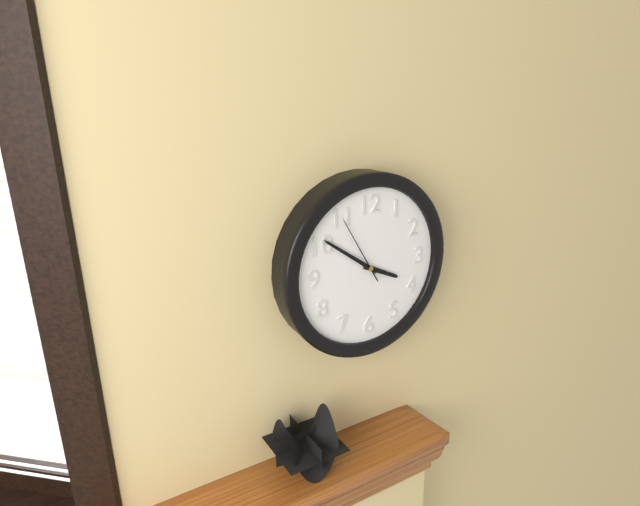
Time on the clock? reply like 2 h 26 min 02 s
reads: 3 h 51 min 55 s
